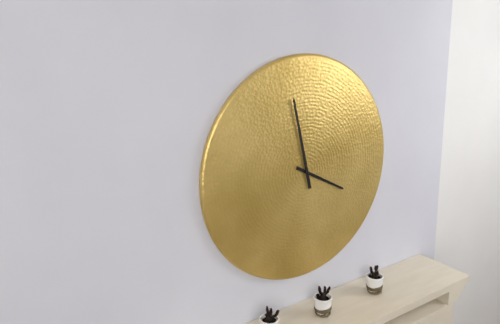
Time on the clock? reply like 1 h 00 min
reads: 3 h 58 min
